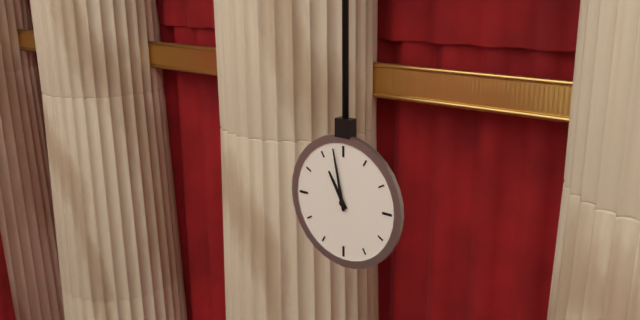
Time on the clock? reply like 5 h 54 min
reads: 10 h 58 min
